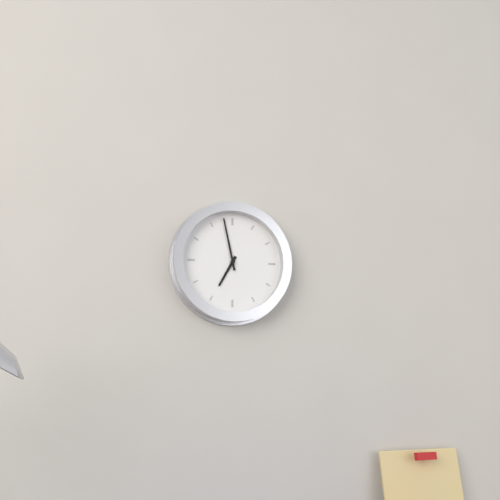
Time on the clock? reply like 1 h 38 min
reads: 6 h 58 min
